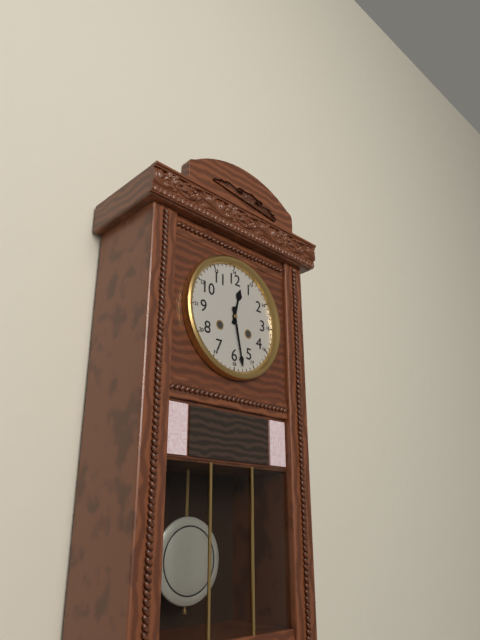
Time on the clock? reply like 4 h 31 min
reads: 12 h 28 min
